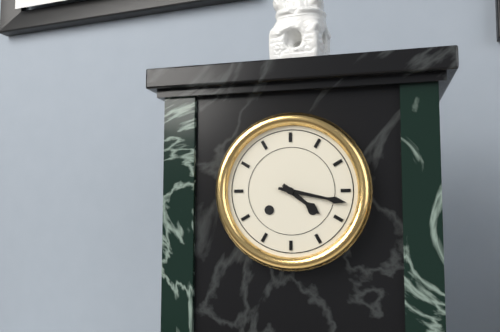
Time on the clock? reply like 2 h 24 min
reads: 4 h 17 min
